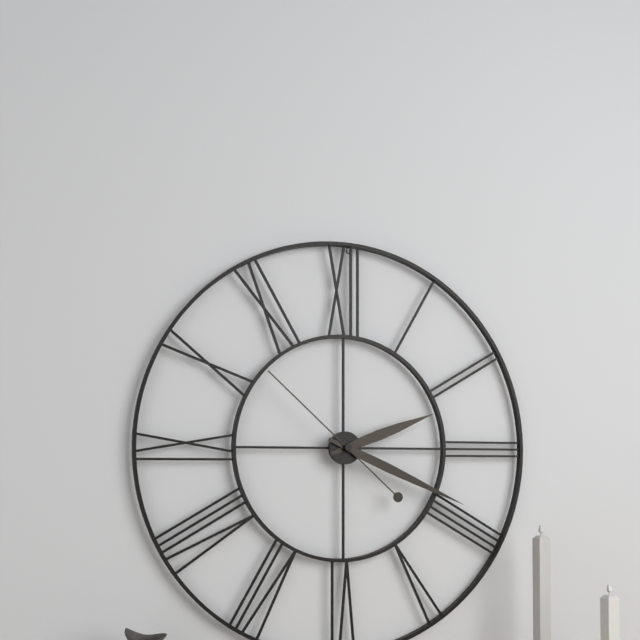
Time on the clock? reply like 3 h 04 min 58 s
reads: 2 h 19 min 52 s
